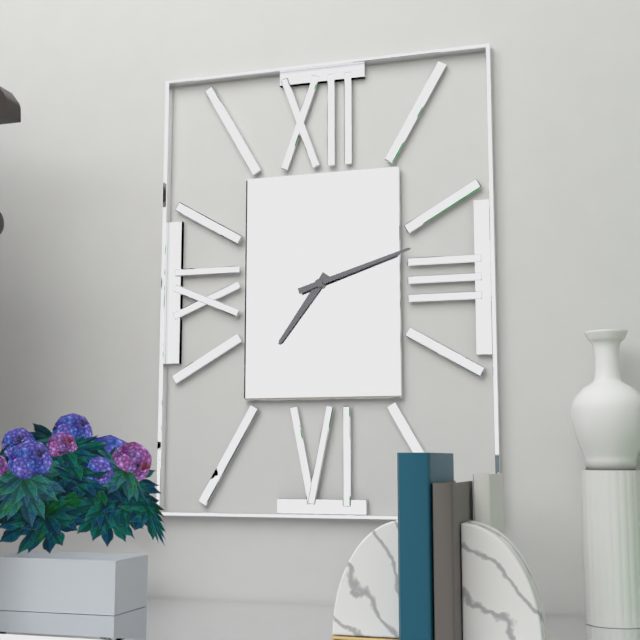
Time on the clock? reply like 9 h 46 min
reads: 7 h 12 min
